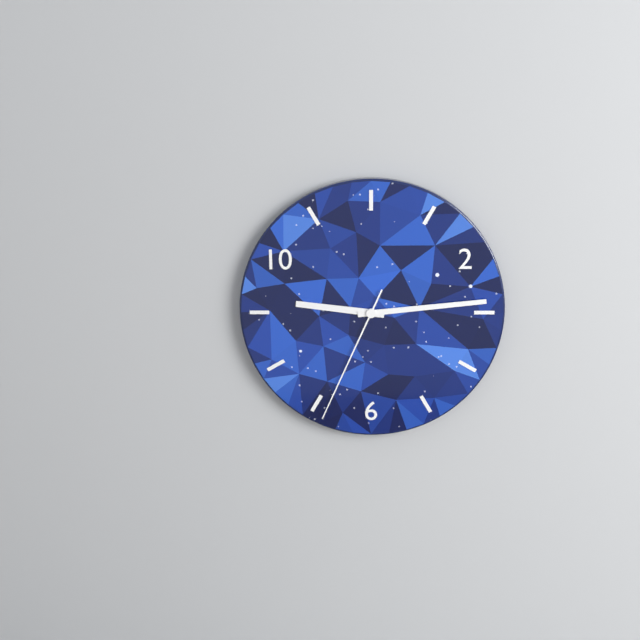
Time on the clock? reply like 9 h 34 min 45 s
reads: 9 h 14 min 34 s
